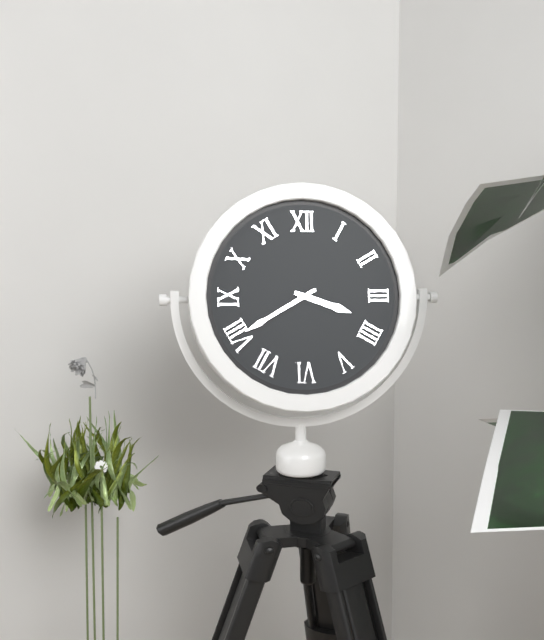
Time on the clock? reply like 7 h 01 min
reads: 3 h 40 min
